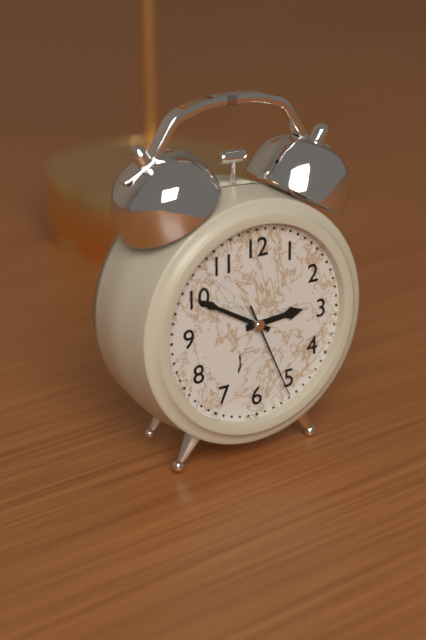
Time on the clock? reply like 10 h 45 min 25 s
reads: 2 h 50 min 26 s
